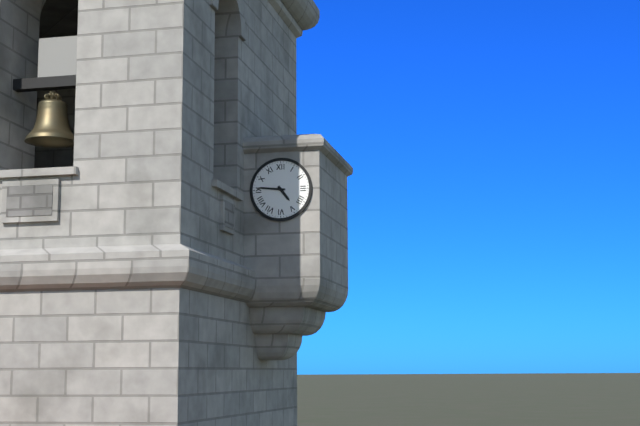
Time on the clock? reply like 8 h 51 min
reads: 4 h 46 min
